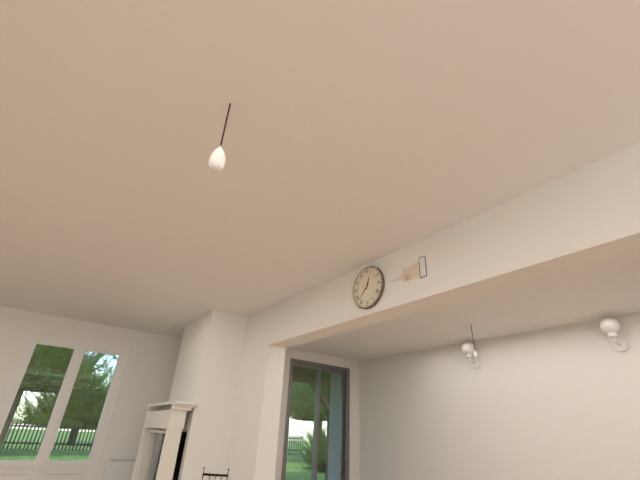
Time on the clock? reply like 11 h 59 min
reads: 12 h 38 min
